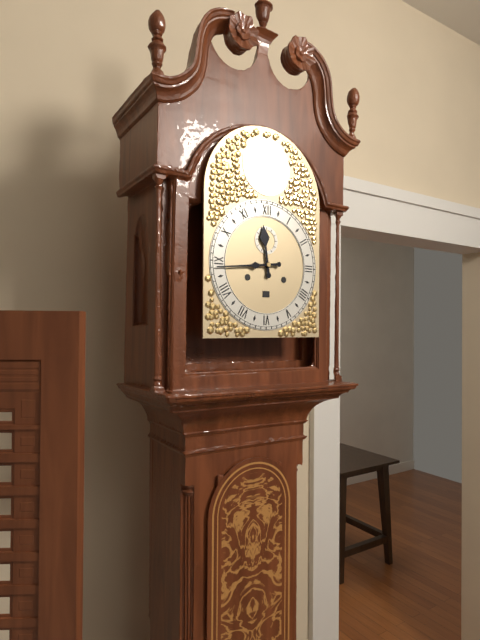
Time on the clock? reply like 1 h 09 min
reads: 11 h 44 min
